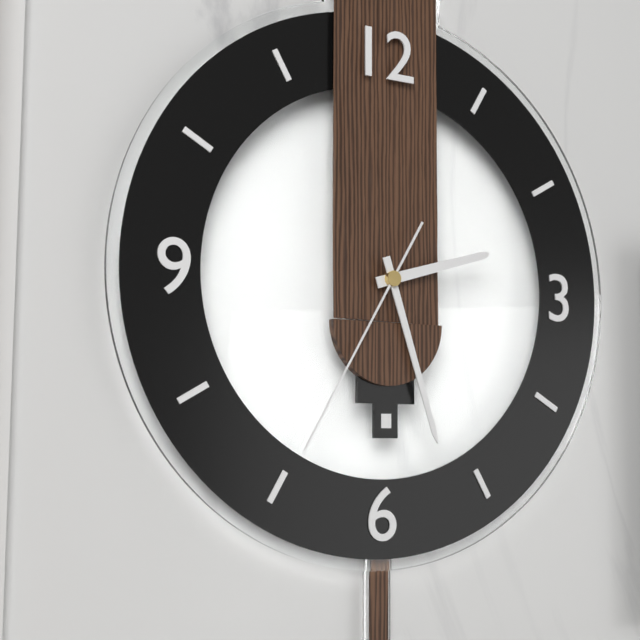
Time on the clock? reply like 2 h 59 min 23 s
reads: 2 h 27 min 35 s
